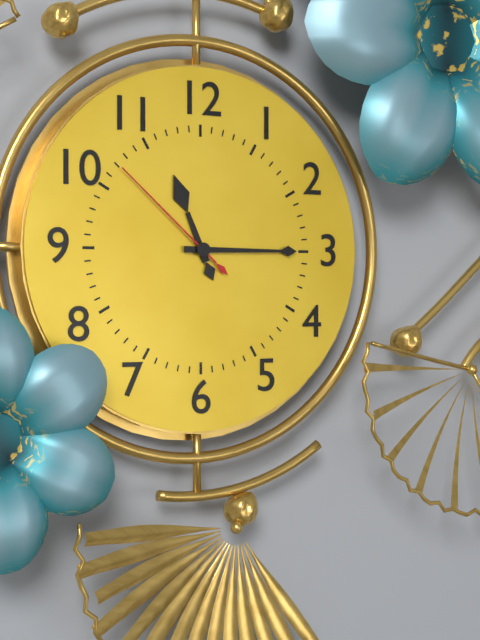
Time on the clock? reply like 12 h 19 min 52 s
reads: 11 h 15 min 52 s
